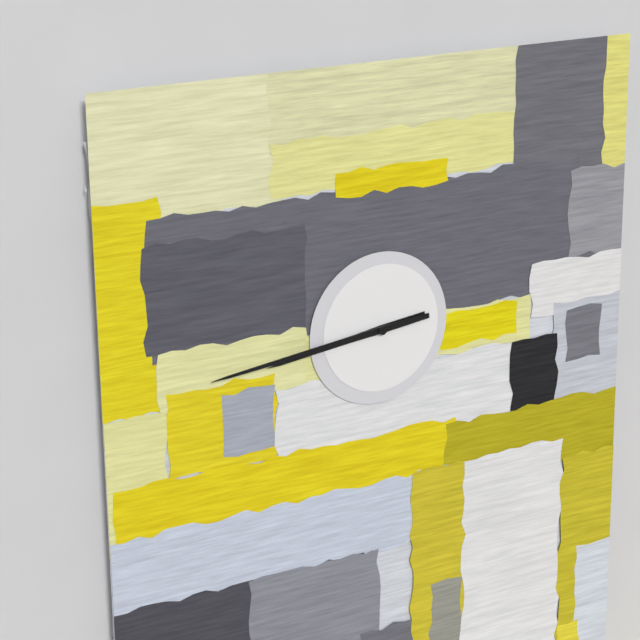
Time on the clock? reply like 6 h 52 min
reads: 8 h 44 min
